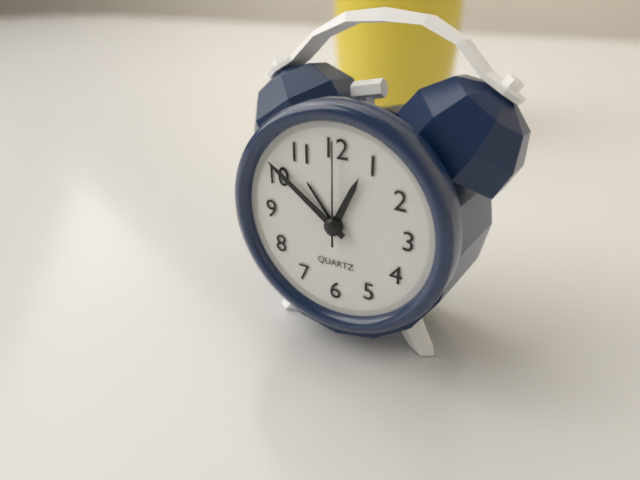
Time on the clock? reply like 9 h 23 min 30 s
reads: 12 h 51 min 00 s
